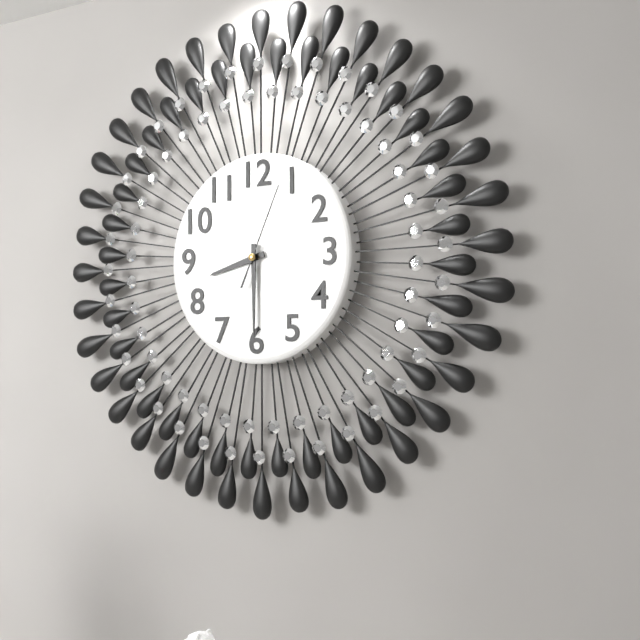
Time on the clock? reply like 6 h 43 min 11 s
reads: 8 h 30 min 04 s
